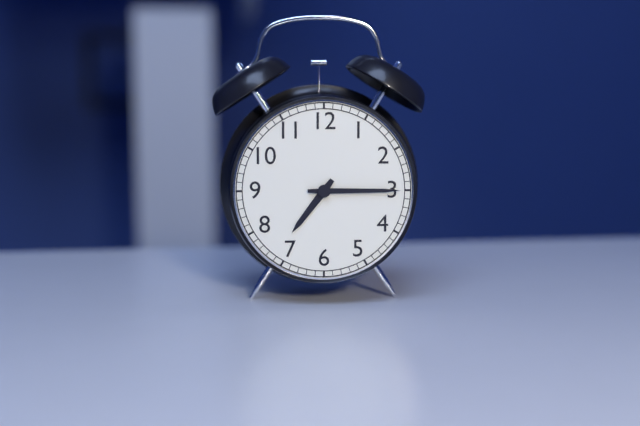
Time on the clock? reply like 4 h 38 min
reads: 7 h 15 min
